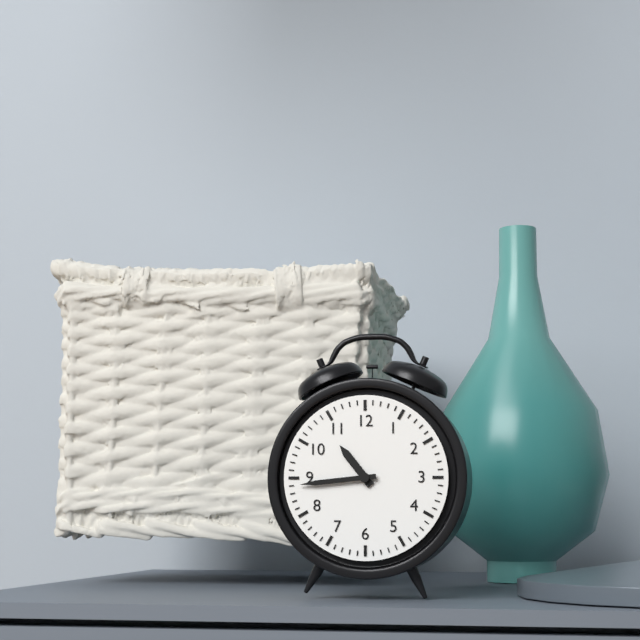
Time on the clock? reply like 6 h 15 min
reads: 10 h 44 min
